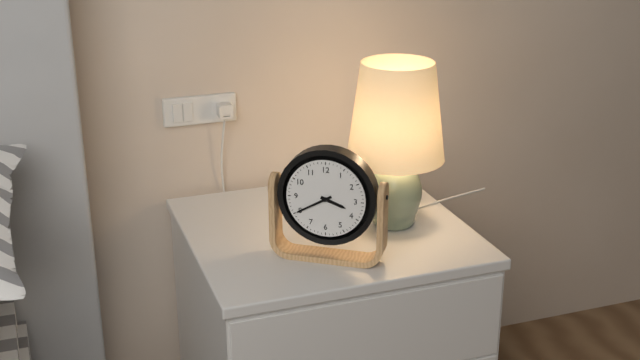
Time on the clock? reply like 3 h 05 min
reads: 3 h 40 min
